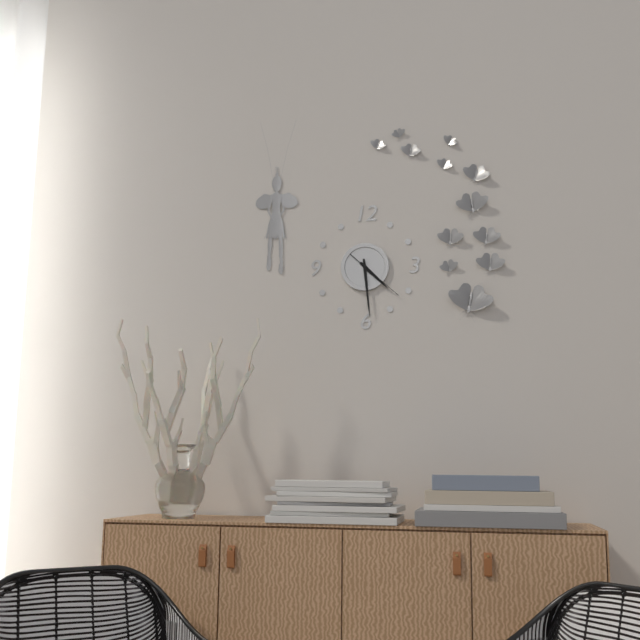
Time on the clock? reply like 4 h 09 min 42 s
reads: 4 h 29 min 22 s
